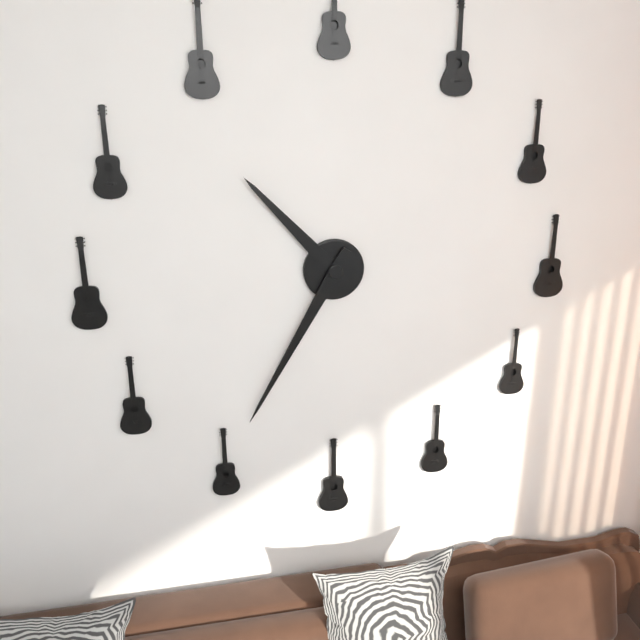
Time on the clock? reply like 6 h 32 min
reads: 10 h 35 min
